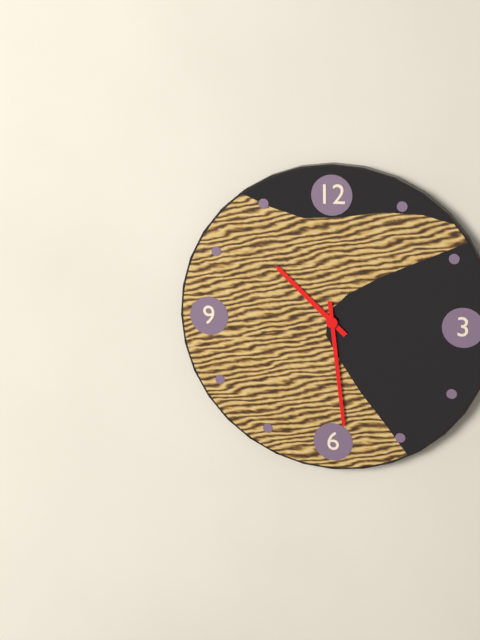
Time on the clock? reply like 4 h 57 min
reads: 10 h 29 min
